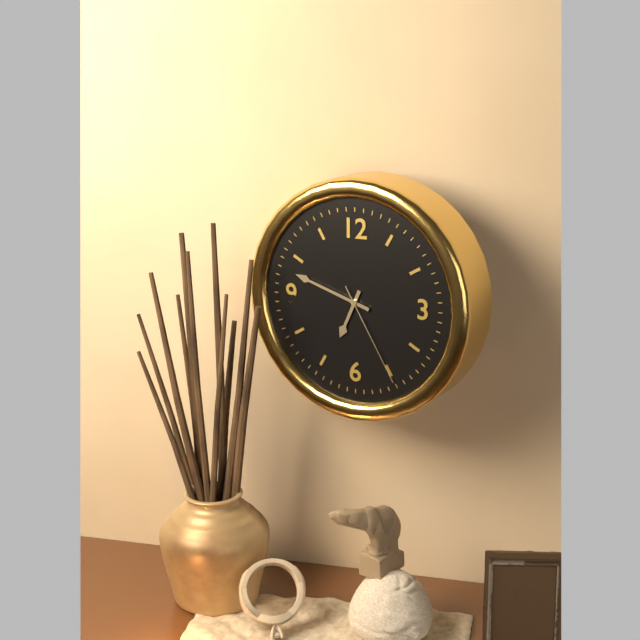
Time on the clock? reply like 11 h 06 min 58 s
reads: 6 h 48 min 25 s
